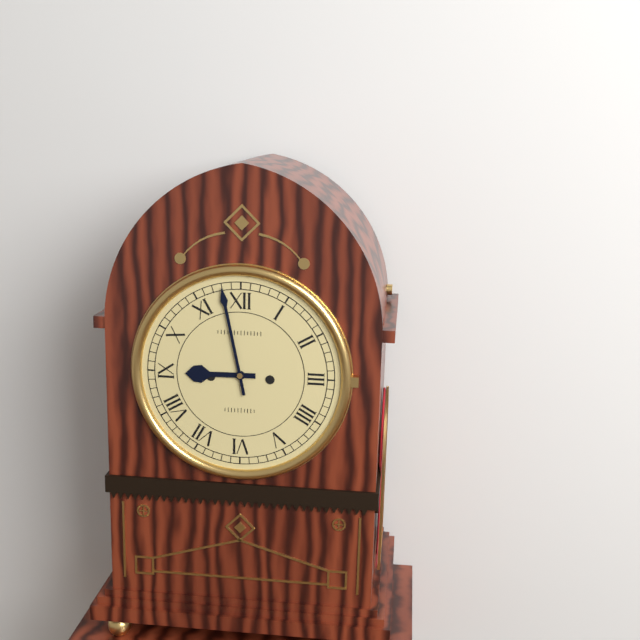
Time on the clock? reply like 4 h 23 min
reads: 8 h 58 min
